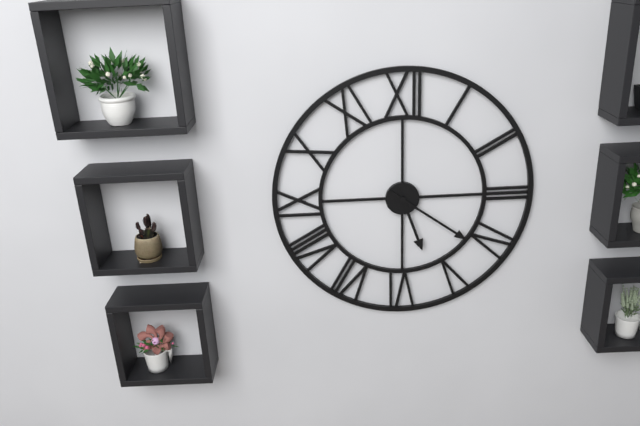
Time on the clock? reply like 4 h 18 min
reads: 5 h 21 min
